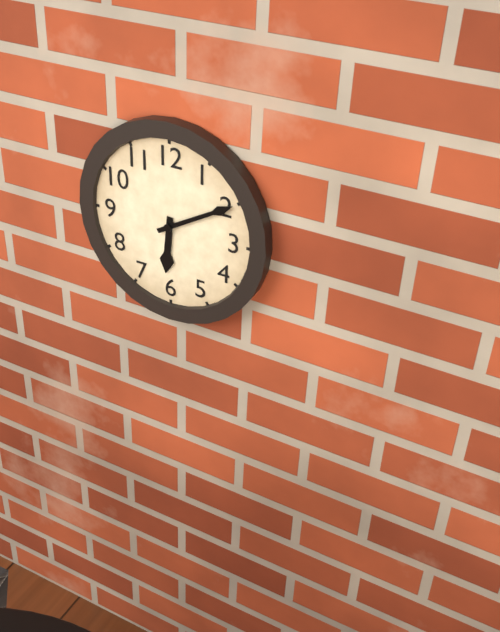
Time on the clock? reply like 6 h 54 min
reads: 6 h 10 min
